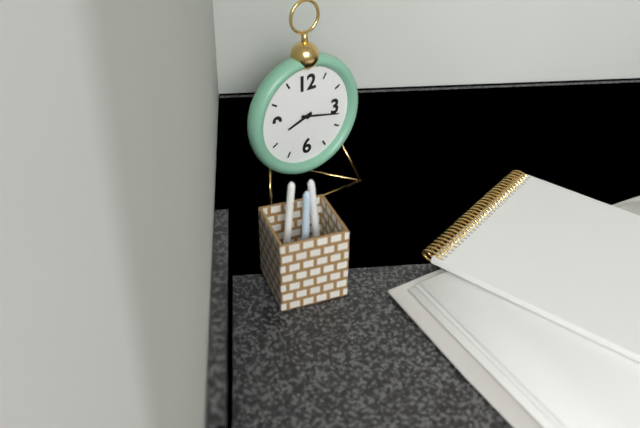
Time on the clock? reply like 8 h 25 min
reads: 8 h 17 min
